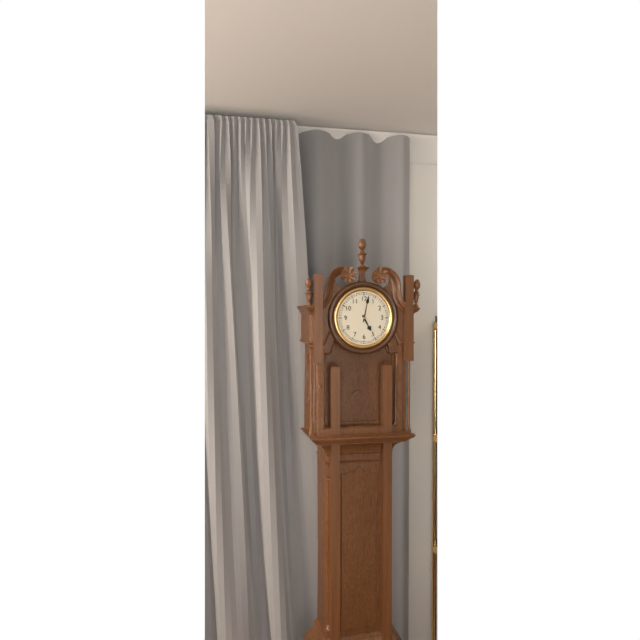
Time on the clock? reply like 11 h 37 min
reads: 5 h 02 min
